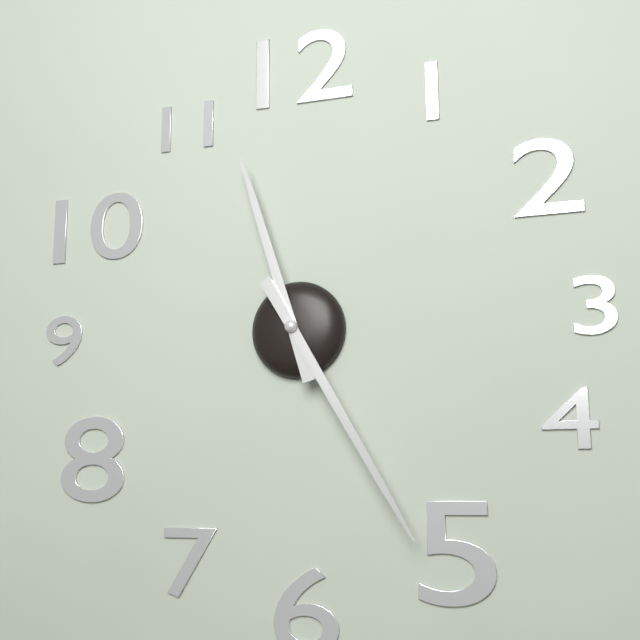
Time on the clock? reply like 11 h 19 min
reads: 11 h 25 min
